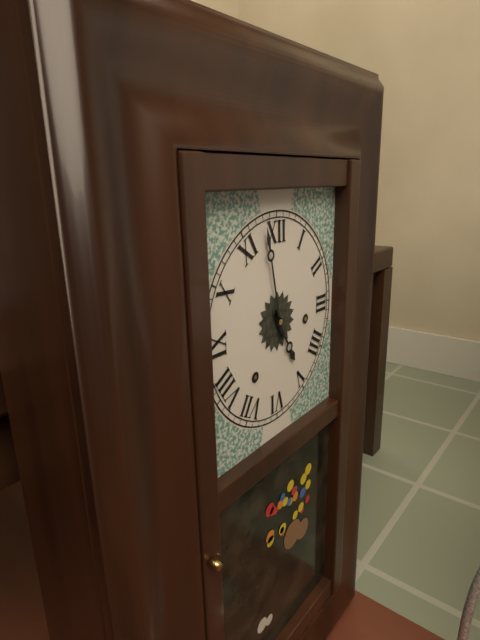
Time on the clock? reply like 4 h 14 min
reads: 4 h 58 min
